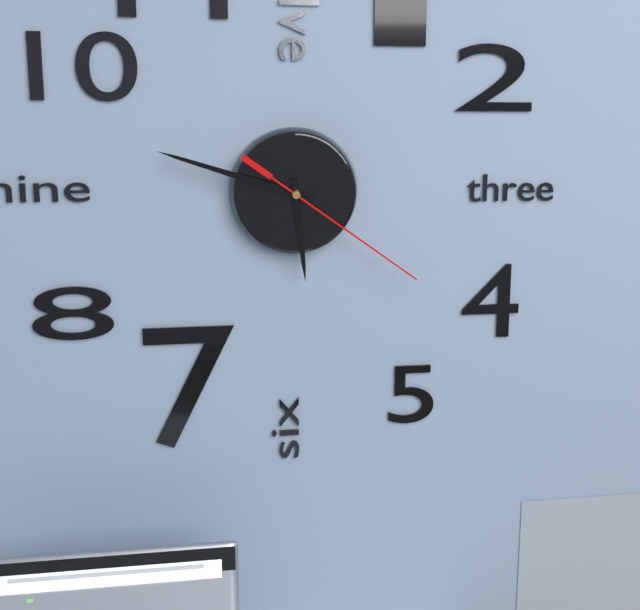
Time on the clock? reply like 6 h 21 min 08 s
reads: 5 h 48 min 21 s
